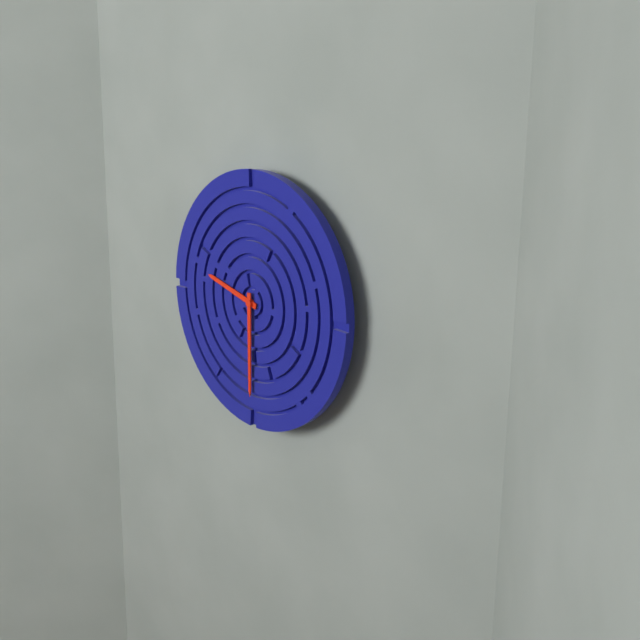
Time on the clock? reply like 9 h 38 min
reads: 9 h 30 min
